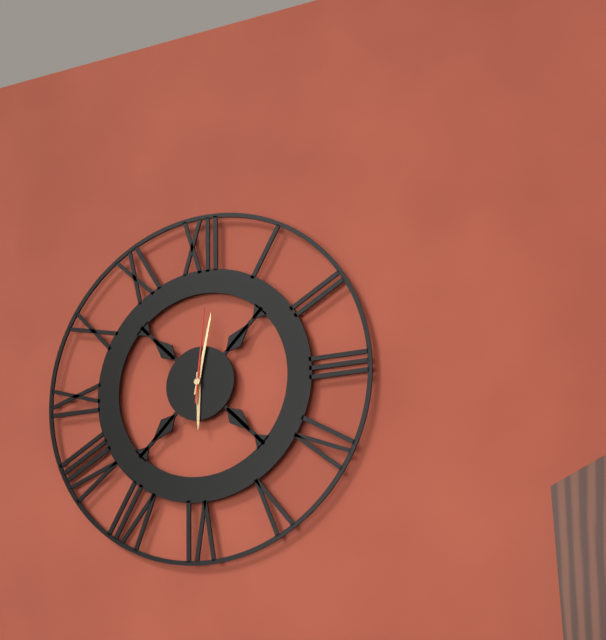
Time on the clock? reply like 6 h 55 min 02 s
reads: 6 h 02 min 01 s
